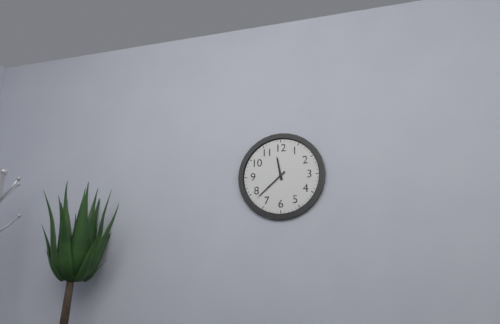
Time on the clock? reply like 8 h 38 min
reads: 11 h 38 min
